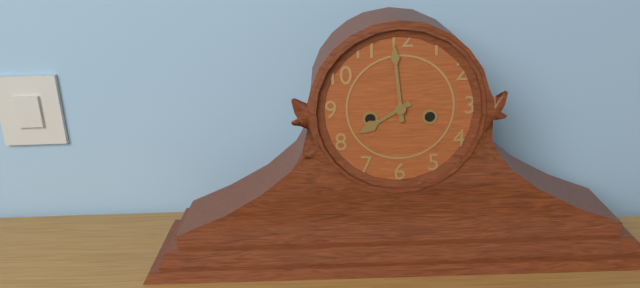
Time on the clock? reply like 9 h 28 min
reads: 7 h 59 min
